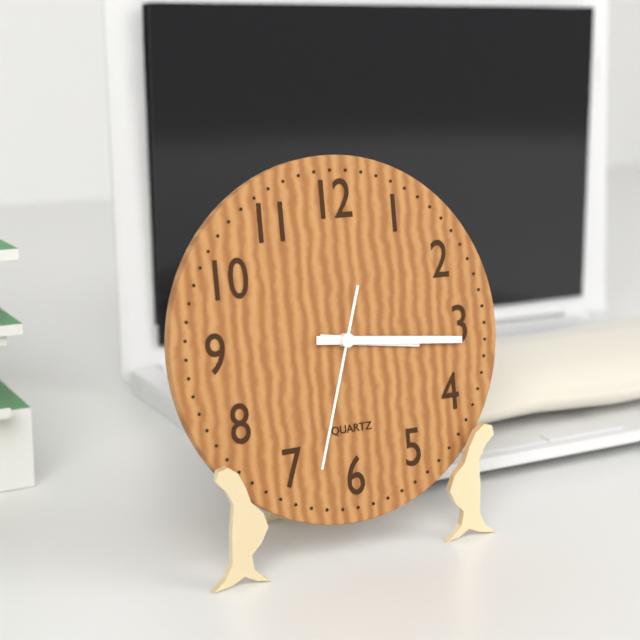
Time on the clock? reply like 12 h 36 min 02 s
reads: 3 h 16 min 33 s
